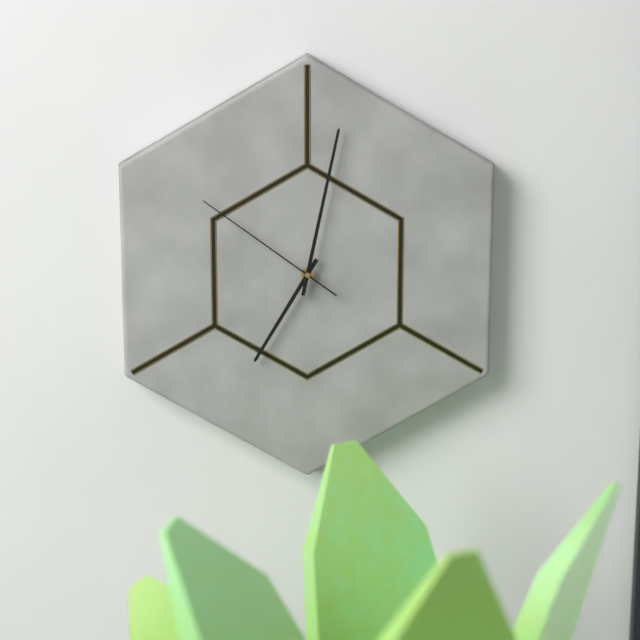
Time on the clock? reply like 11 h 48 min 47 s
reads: 7 h 02 min 51 s
